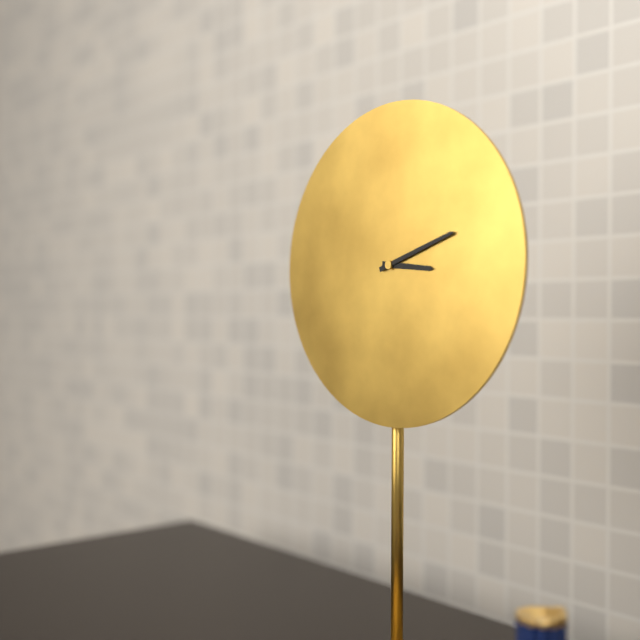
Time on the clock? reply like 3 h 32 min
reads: 3 h 12 min
